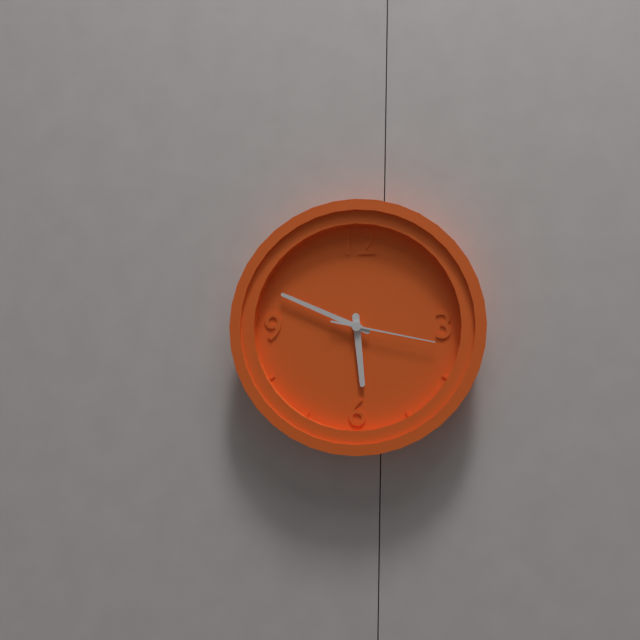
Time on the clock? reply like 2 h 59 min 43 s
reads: 5 h 49 min 17 s
